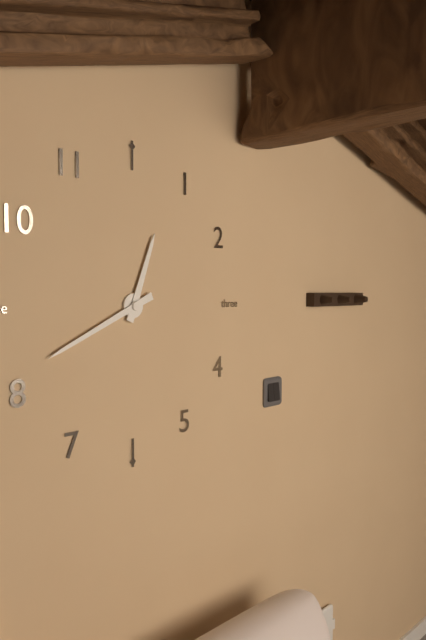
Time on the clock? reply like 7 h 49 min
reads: 12 h 41 min
